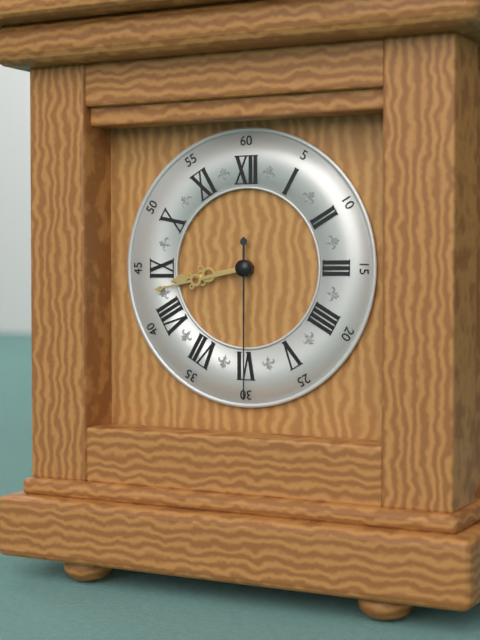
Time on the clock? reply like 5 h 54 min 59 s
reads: 8 h 43 min 30 s
